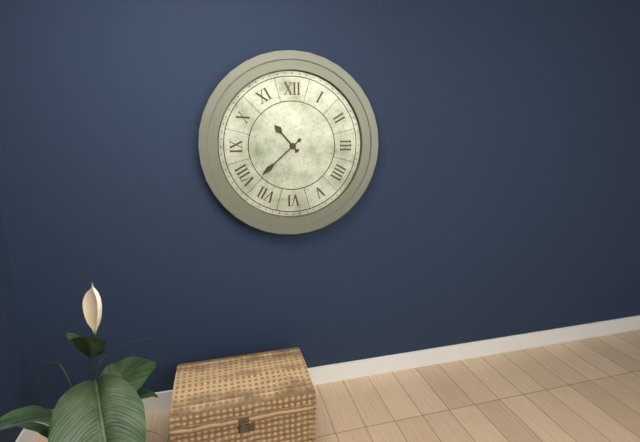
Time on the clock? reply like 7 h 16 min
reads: 10 h 38 min
